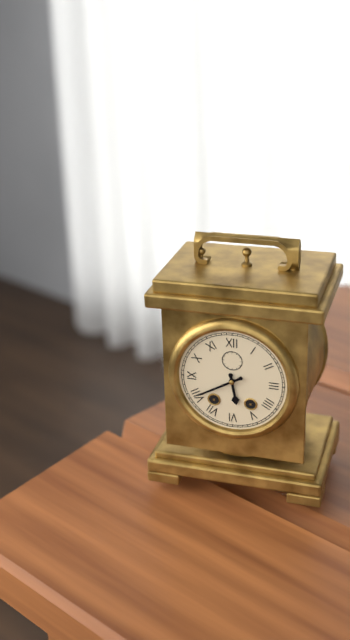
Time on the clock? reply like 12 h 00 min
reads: 5 h 40 min
